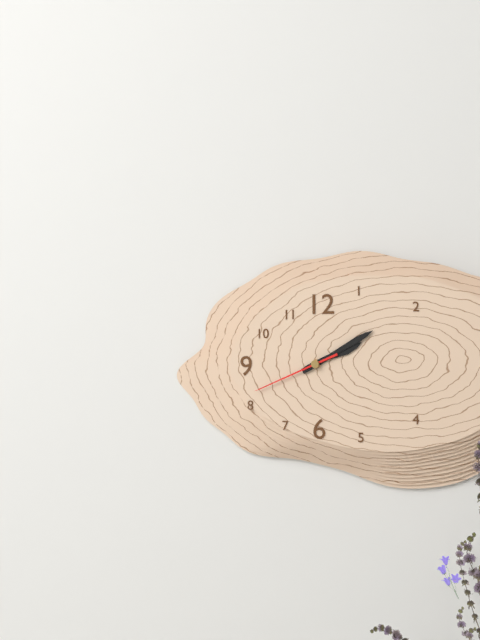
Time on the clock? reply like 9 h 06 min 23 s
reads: 2 h 10 min 41 s
